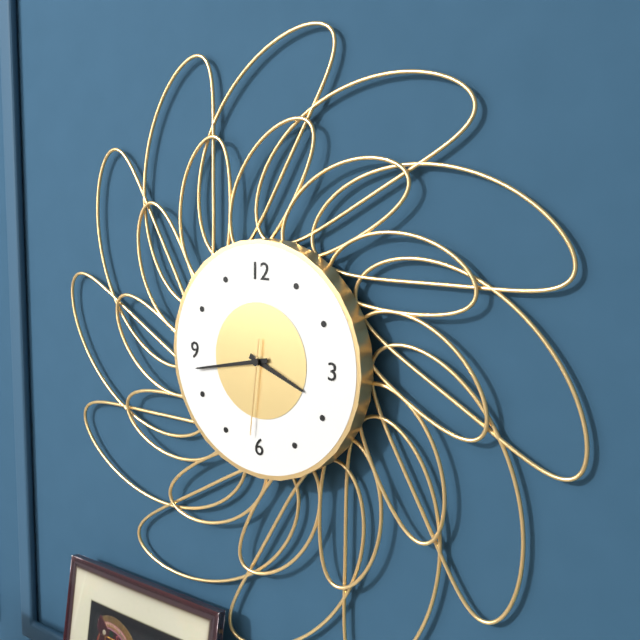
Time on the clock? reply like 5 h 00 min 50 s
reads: 3 h 43 min 31 s
